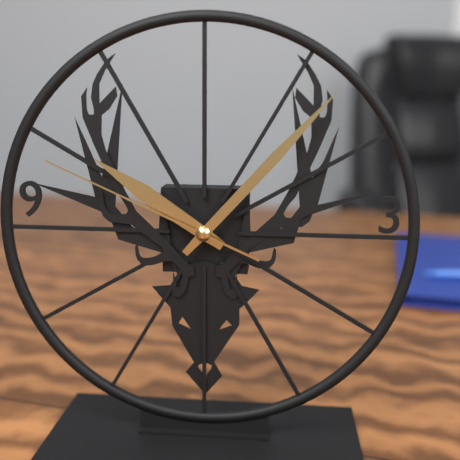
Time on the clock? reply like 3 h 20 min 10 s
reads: 10 h 07 min 49 s
